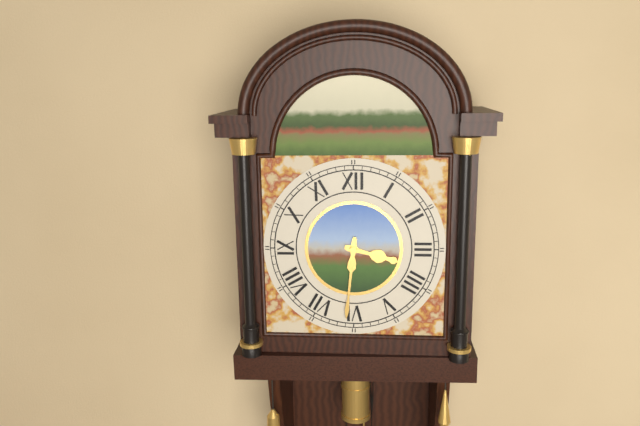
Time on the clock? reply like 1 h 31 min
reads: 3 h 31 min
